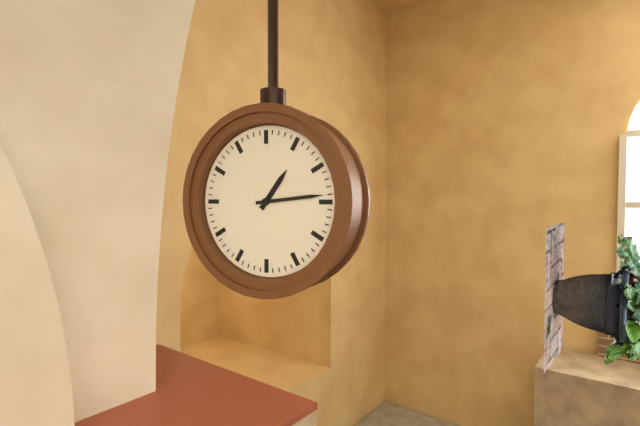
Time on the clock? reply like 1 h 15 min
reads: 1 h 14 min
